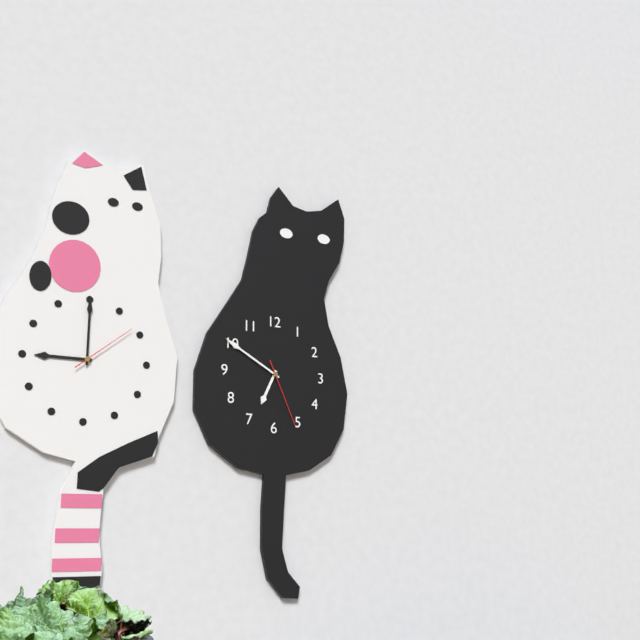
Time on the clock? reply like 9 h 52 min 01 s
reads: 6 h 50 min 26 s
